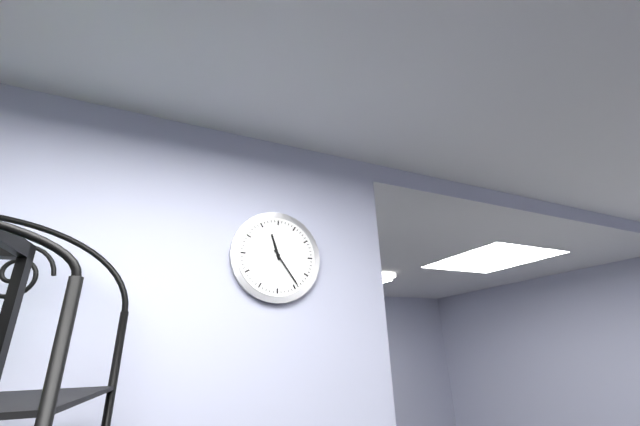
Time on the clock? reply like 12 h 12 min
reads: 11 h 24 min
